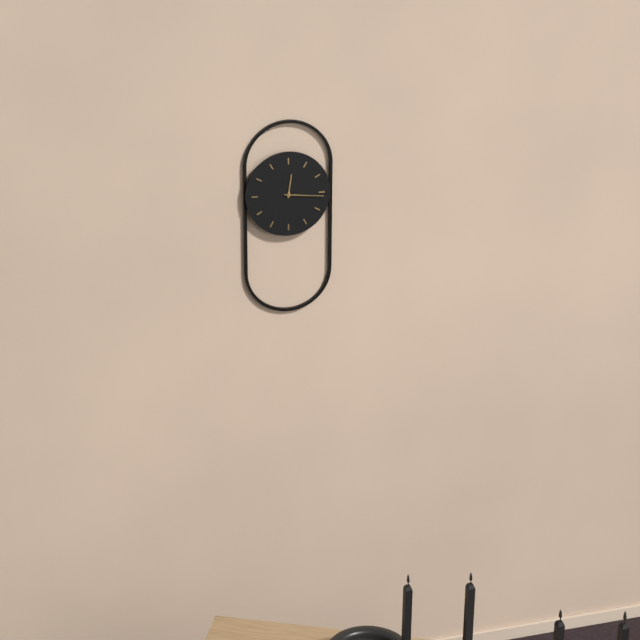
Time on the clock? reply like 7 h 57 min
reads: 12 h 16 min
